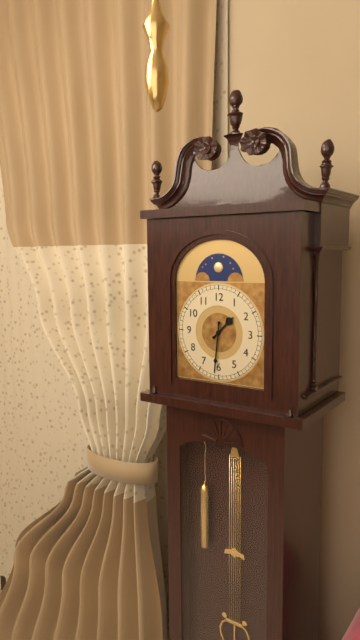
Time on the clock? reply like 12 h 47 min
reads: 1 h 31 min
